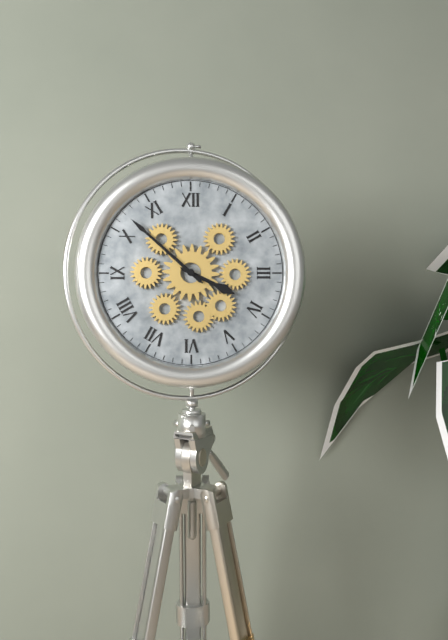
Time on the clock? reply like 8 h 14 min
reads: 3 h 52 min
